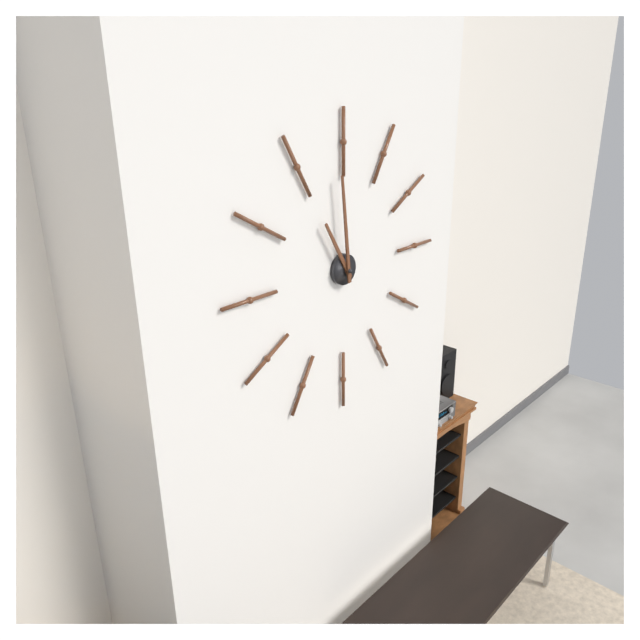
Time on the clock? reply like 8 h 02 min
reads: 10 h 59 min
